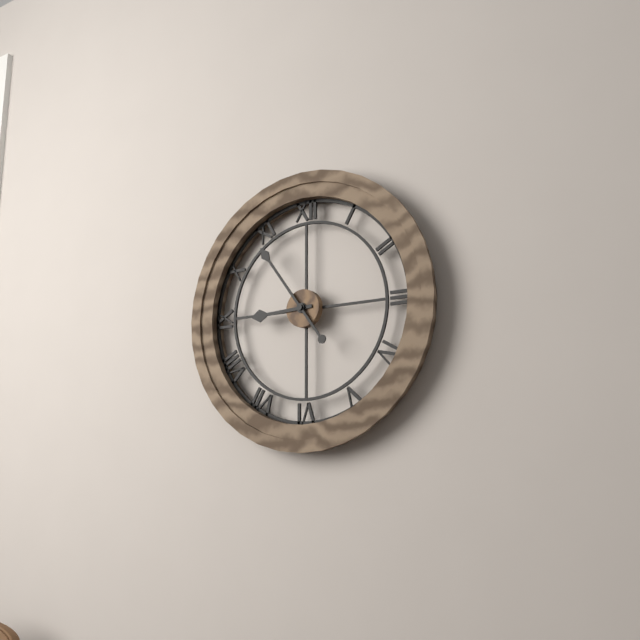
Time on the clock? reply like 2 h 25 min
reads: 8 h 54 min
